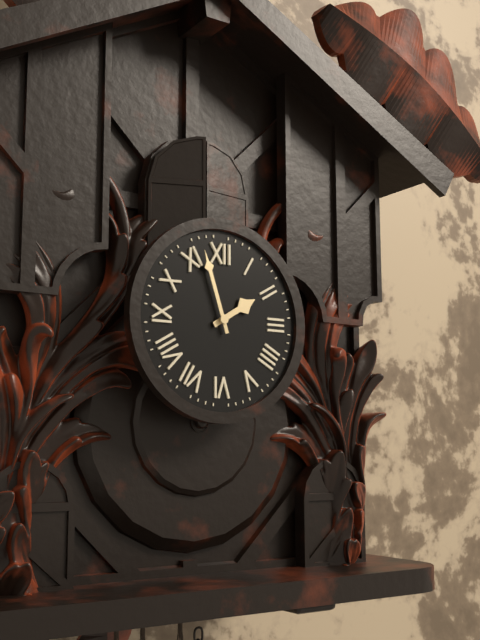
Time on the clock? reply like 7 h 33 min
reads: 1 h 57 min
